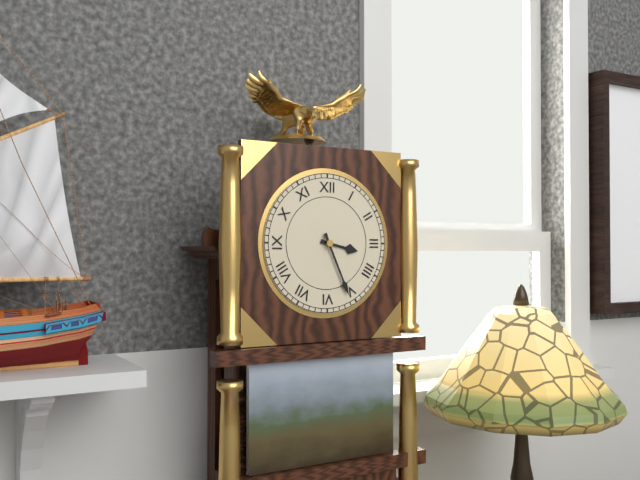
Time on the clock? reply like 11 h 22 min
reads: 3 h 26 min
